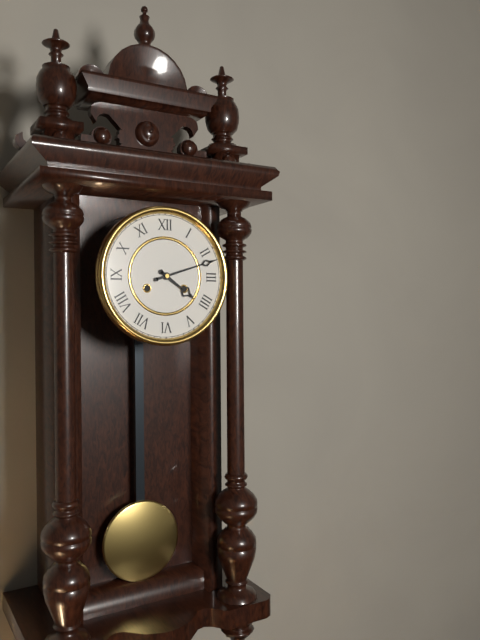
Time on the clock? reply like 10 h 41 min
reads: 4 h 12 min
